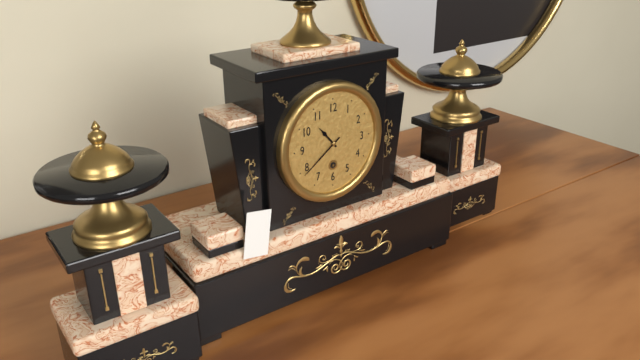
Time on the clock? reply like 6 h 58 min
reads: 10 h 39 min
